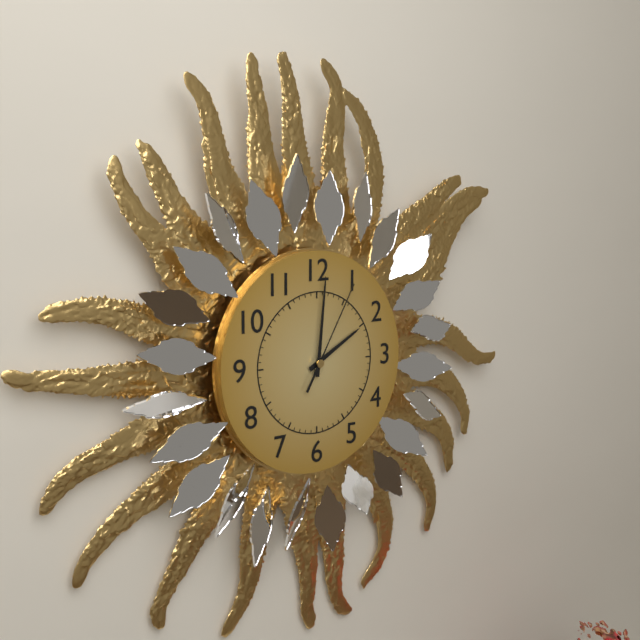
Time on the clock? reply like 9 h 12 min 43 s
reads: 2 h 01 min 05 s
